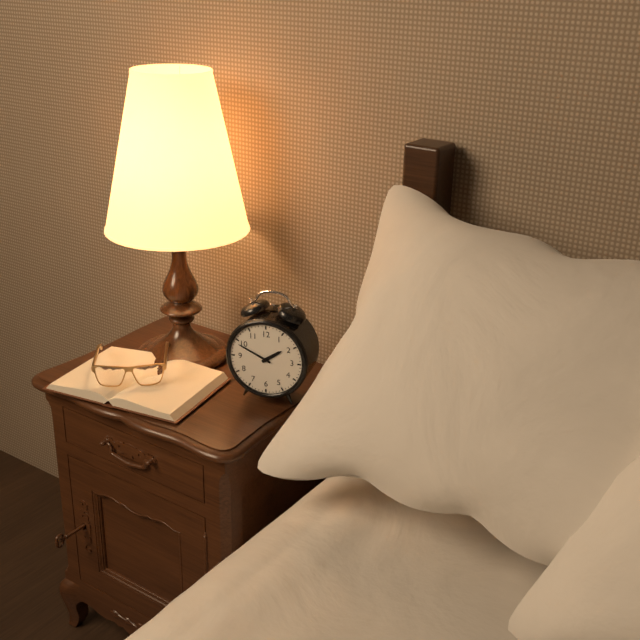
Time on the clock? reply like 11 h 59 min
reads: 1 h 49 min
